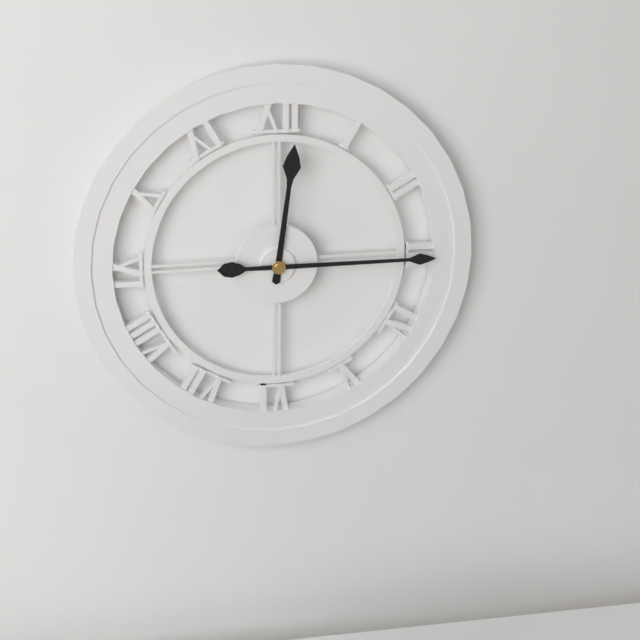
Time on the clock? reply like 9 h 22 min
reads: 12 h 15 min
